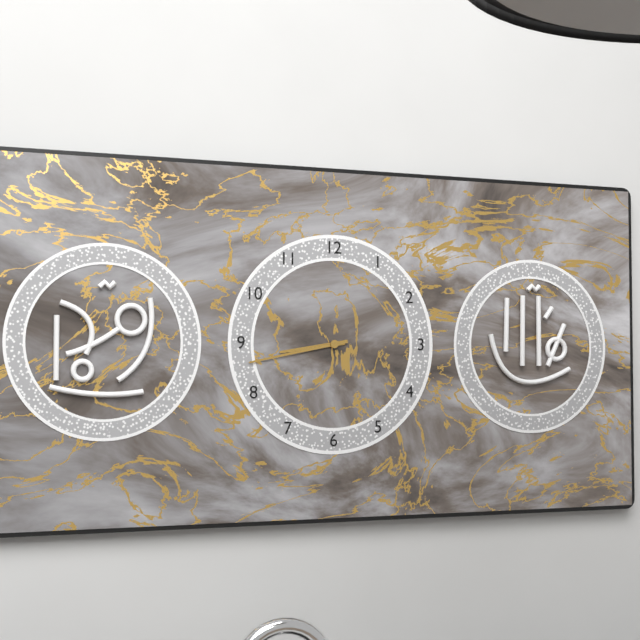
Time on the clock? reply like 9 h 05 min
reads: 8 h 43 min
